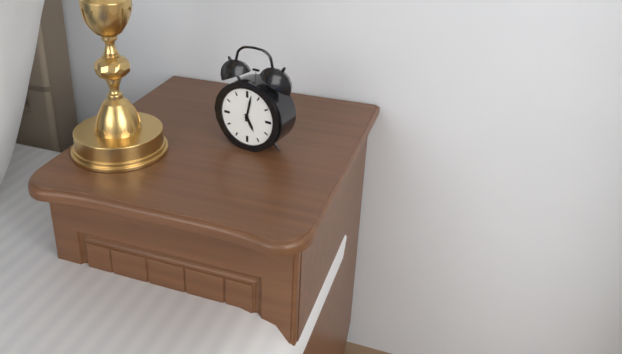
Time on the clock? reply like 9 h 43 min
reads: 5 h 02 min
